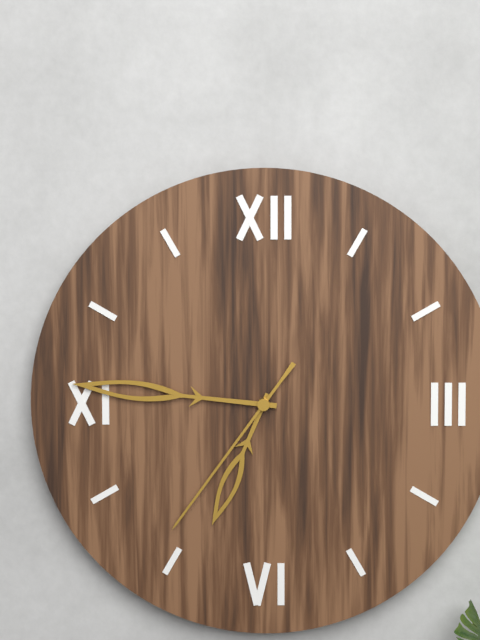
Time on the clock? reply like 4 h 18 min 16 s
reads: 6 h 46 min 36 s
